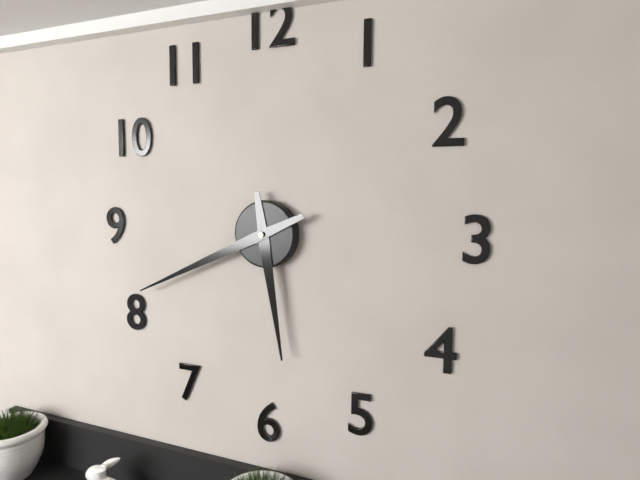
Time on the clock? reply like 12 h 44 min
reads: 5 h 41 min
